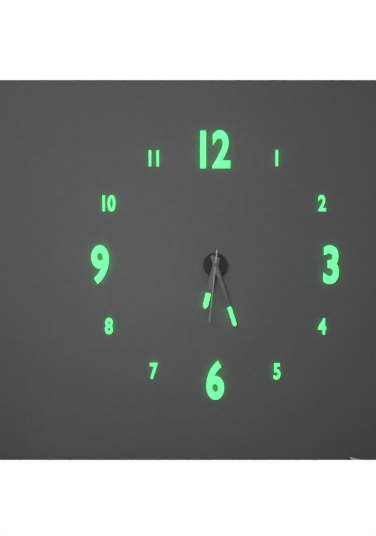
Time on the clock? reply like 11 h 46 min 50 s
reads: 6 h 27 min 31 s
